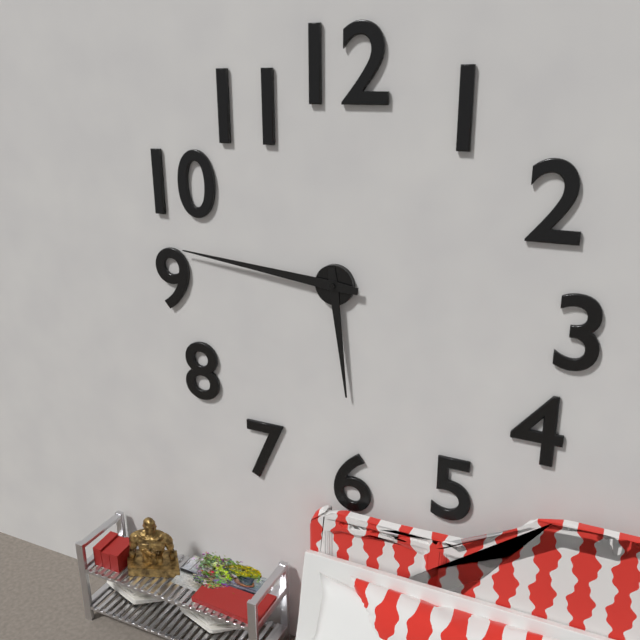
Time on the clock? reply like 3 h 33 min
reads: 5 h 46 min
